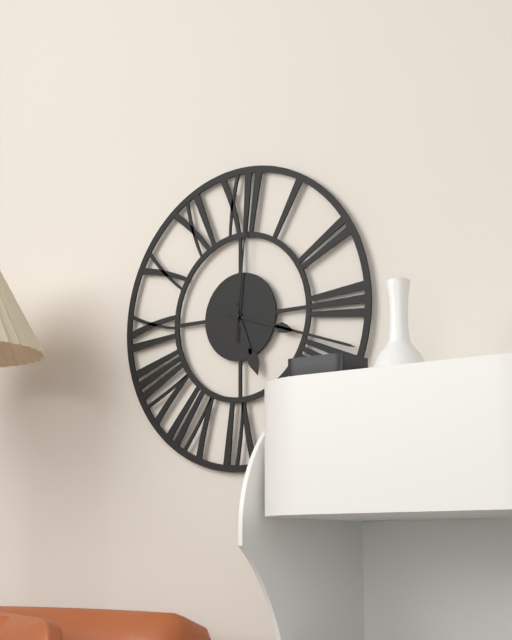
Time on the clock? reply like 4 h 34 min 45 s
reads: 5 h 18 min 01 s
